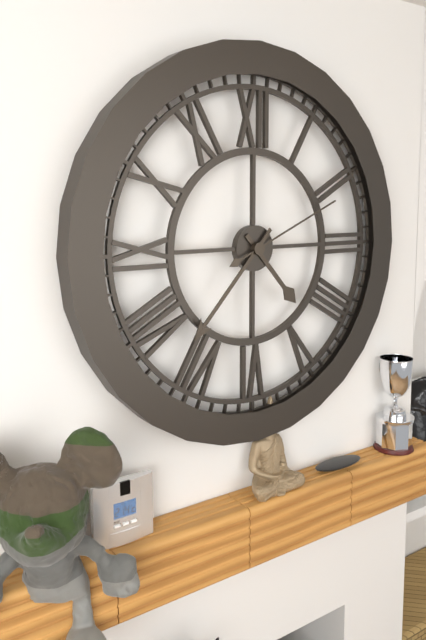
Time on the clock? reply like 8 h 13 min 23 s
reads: 4 h 37 min 11 s
